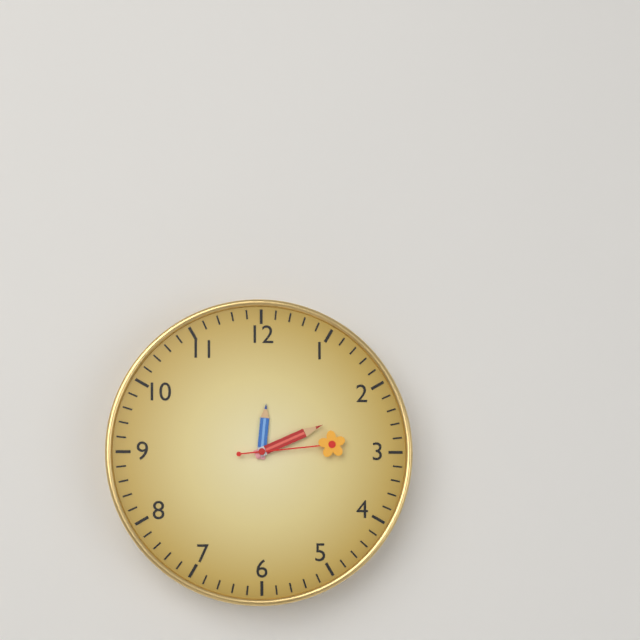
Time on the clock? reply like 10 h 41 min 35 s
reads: 12 h 11 min 14 s
